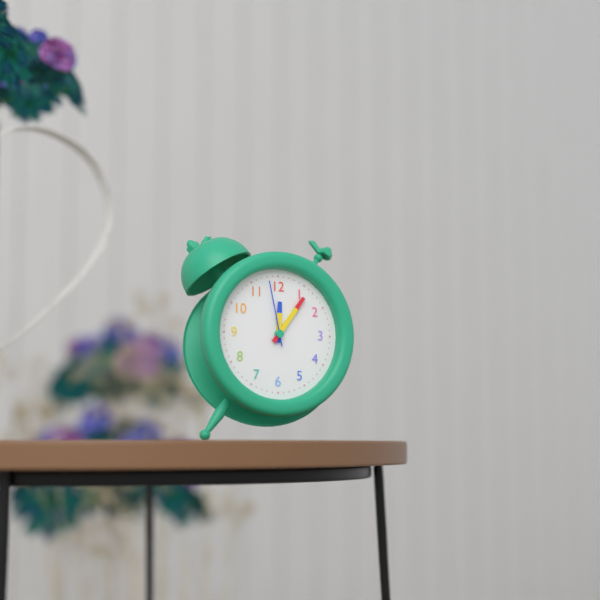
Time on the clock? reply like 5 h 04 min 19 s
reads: 12 h 06 min 58 s
